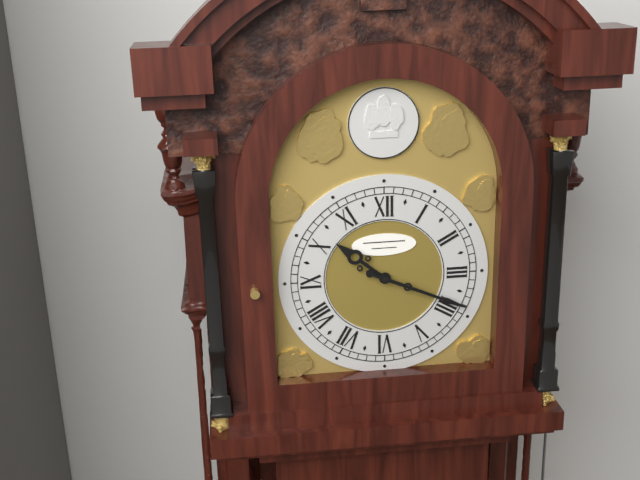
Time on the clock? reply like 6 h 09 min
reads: 10 h 19 min
